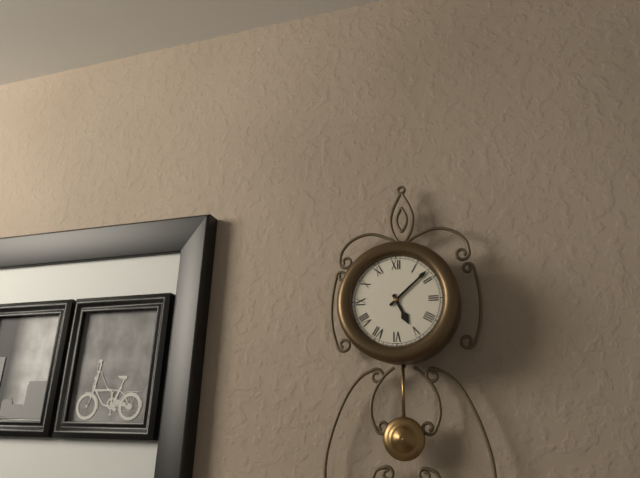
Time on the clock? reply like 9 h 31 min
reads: 5 h 08 min
